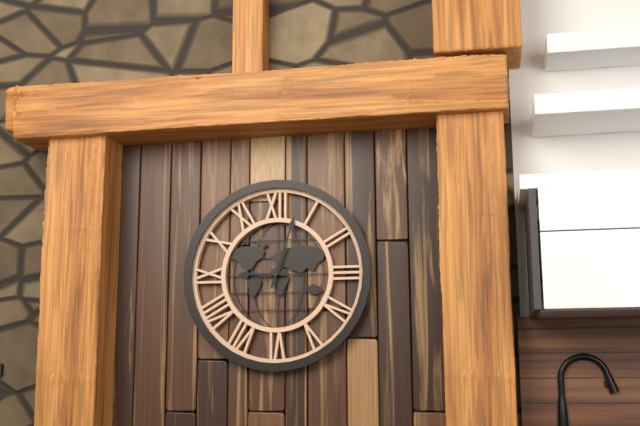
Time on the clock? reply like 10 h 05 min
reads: 9 h 03 min
